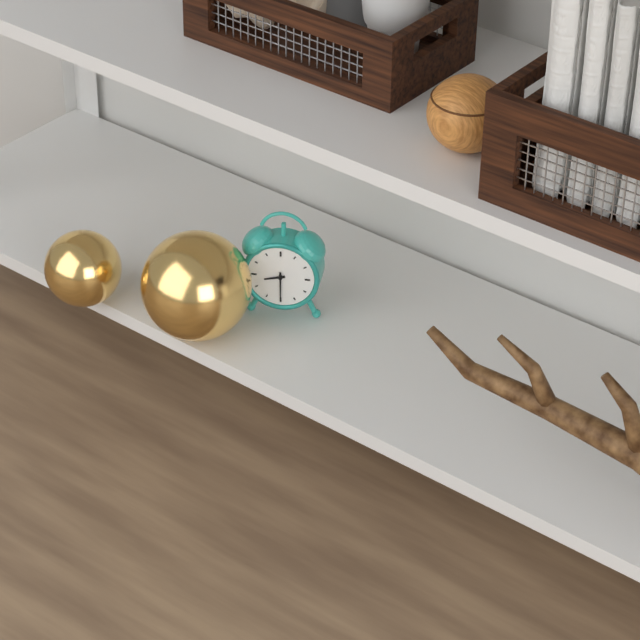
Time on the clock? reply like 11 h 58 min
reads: 8 h 30 min
